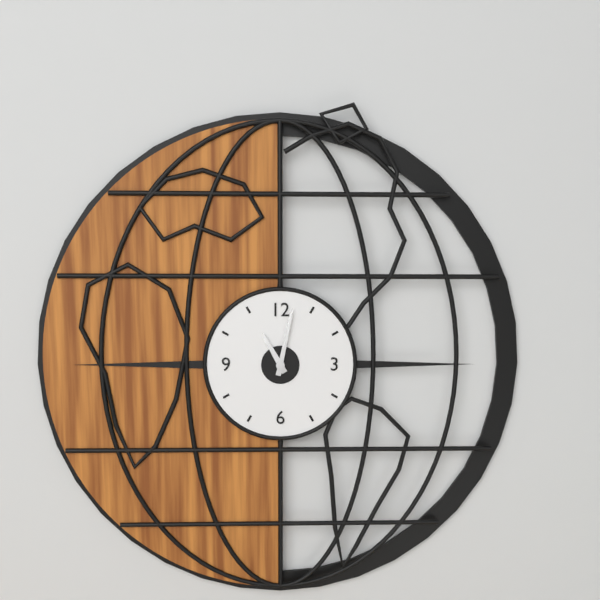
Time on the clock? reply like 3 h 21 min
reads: 11 h 02 min
